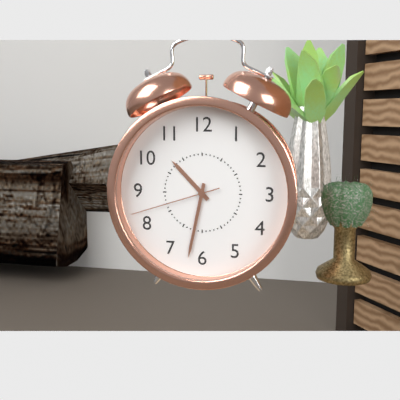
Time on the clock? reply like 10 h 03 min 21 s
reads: 10 h 32 min 42 s
